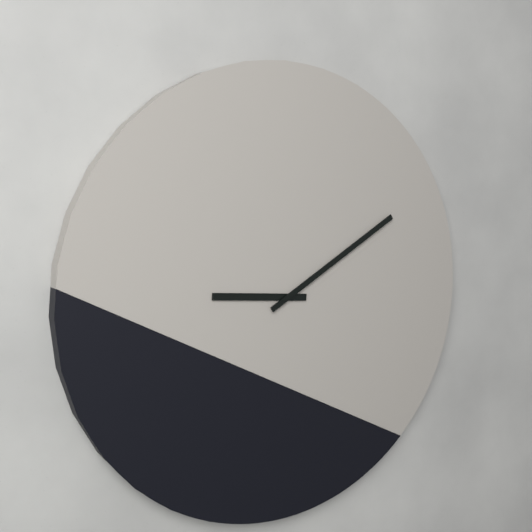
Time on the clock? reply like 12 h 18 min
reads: 9 h 10 min
